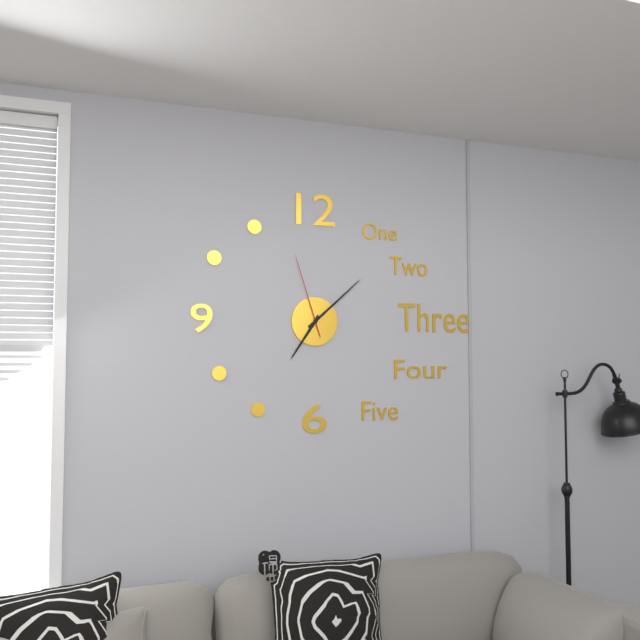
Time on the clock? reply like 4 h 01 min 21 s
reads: 7 h 08 min 57 s
